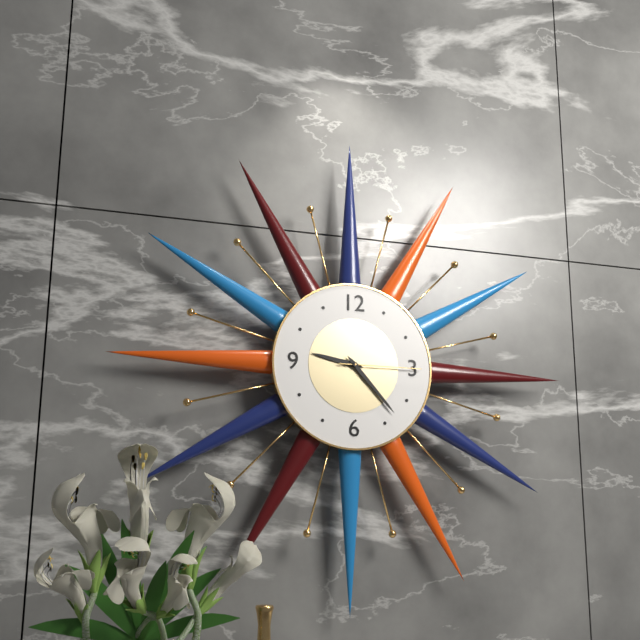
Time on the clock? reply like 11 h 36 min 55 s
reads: 9 h 23 min 15 s
